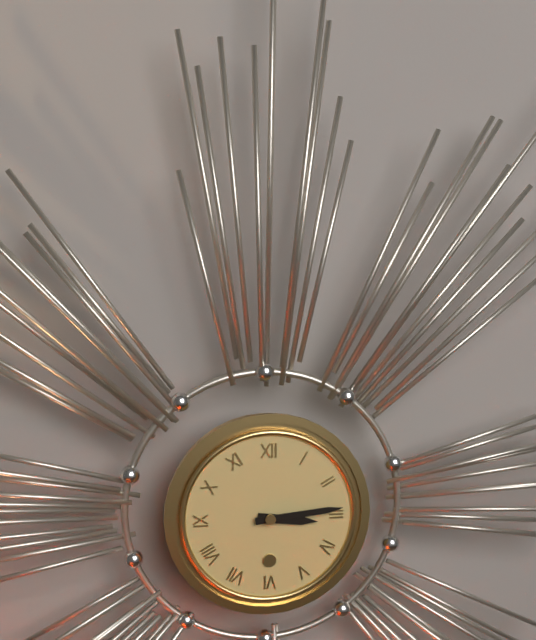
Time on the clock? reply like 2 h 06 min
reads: 3 h 14 min
